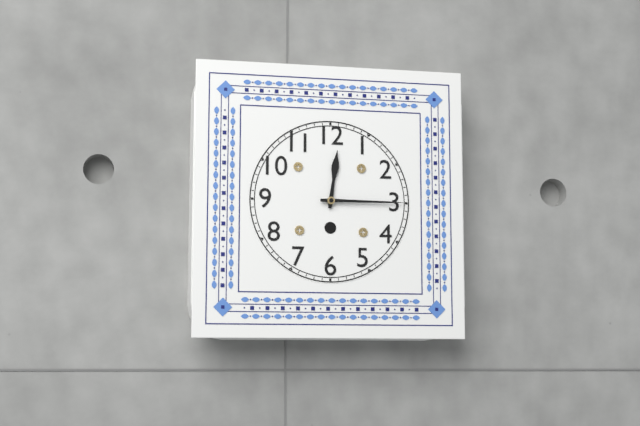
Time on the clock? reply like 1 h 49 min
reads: 12 h 15 min
